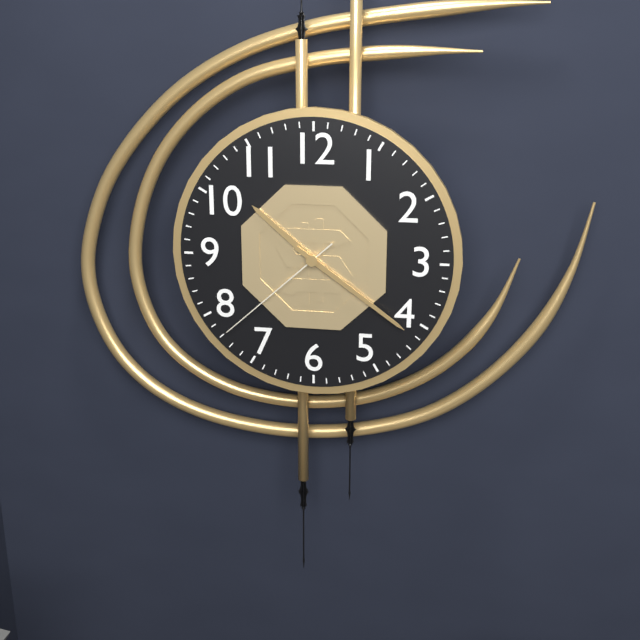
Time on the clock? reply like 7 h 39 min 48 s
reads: 10 h 21 min 38 s
